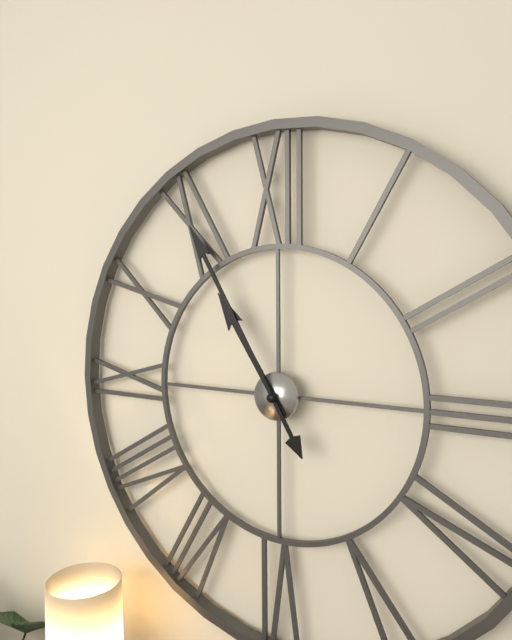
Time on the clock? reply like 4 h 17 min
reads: 10 h 55 min
